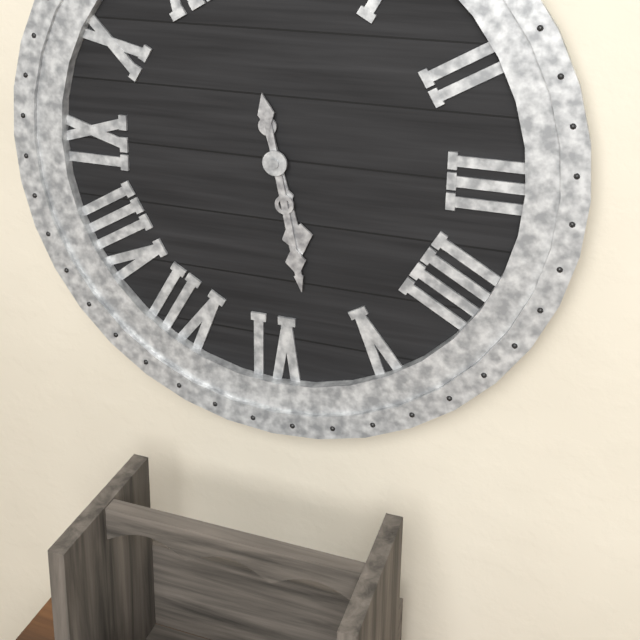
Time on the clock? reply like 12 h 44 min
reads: 5 h 28 min
